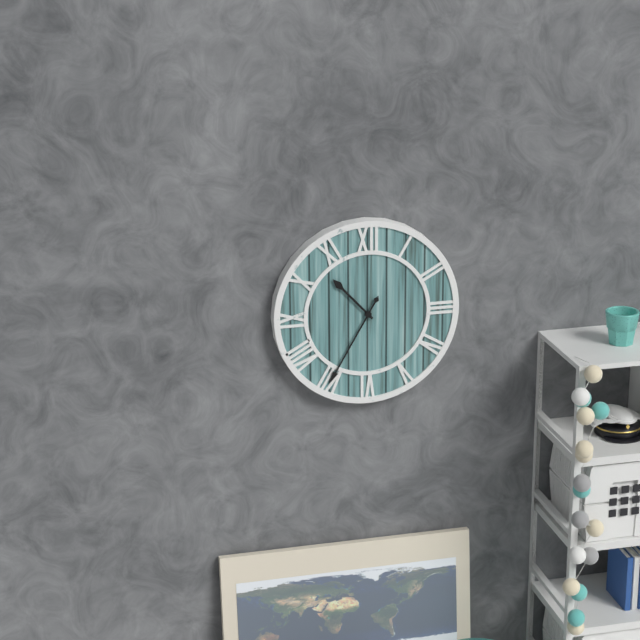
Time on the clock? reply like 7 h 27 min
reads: 10 h 35 min
